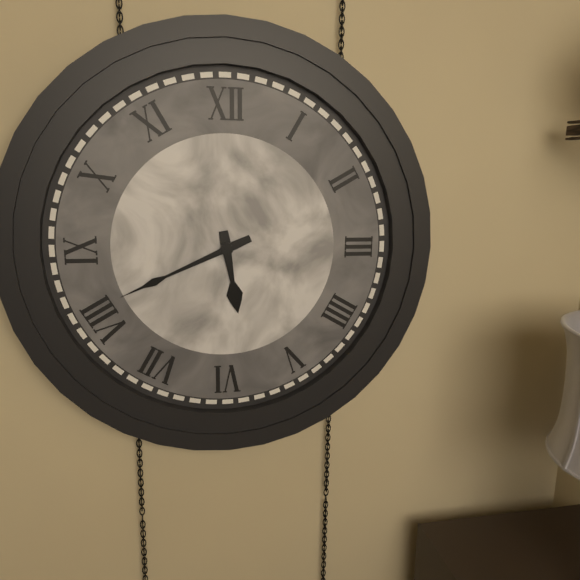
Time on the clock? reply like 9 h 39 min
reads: 5 h 41 min
